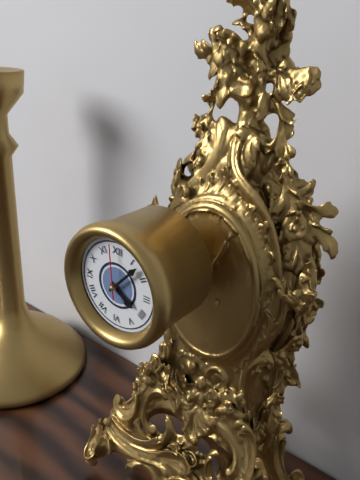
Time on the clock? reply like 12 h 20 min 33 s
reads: 4 h 07 min 59 s
